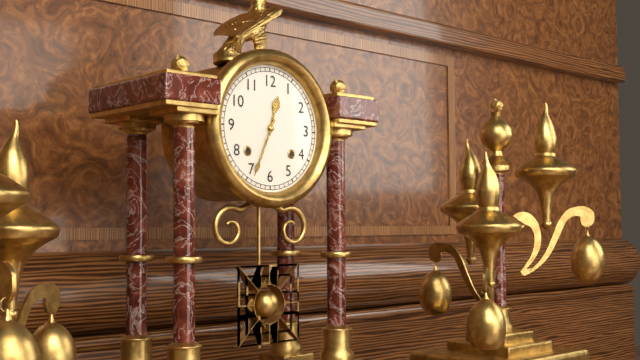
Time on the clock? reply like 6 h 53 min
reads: 12 h 34 min
